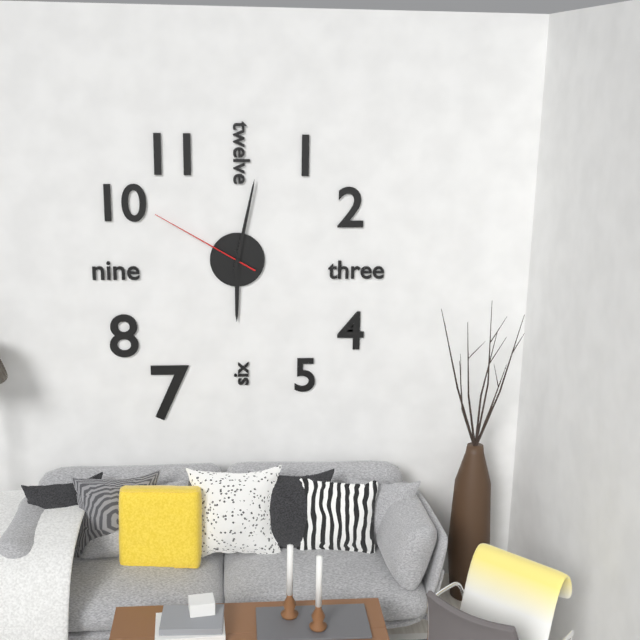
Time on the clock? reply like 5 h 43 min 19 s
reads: 6 h 02 min 50 s
